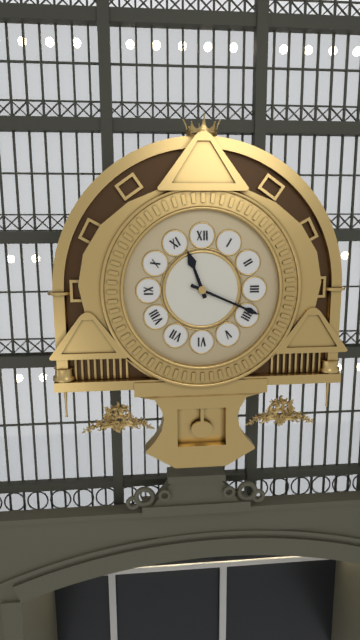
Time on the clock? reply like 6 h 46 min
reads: 11 h 19 min
